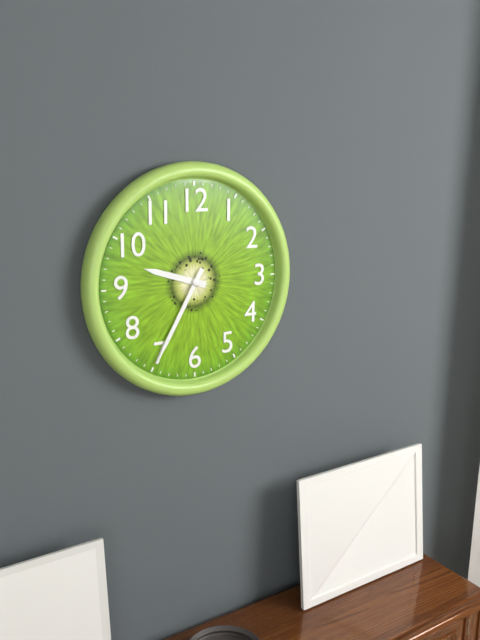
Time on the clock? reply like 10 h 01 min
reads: 9 h 35 min
